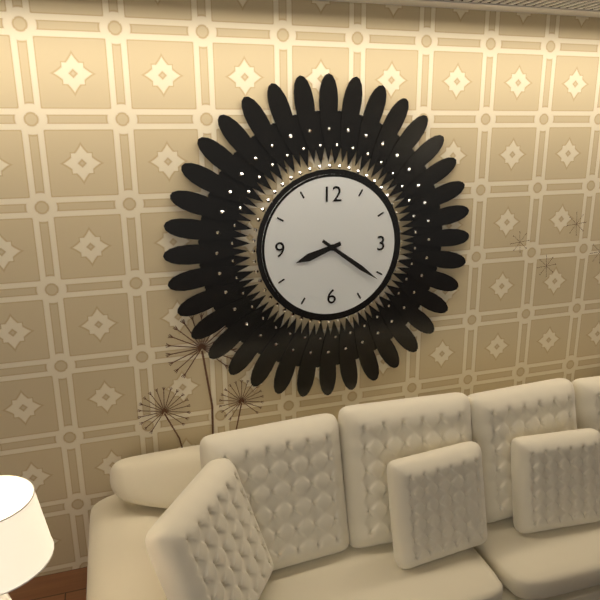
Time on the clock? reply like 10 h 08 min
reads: 8 h 21 min
